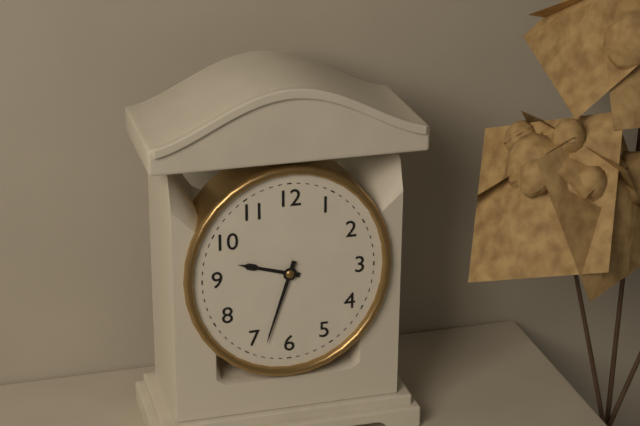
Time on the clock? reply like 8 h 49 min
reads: 9 h 33 min
